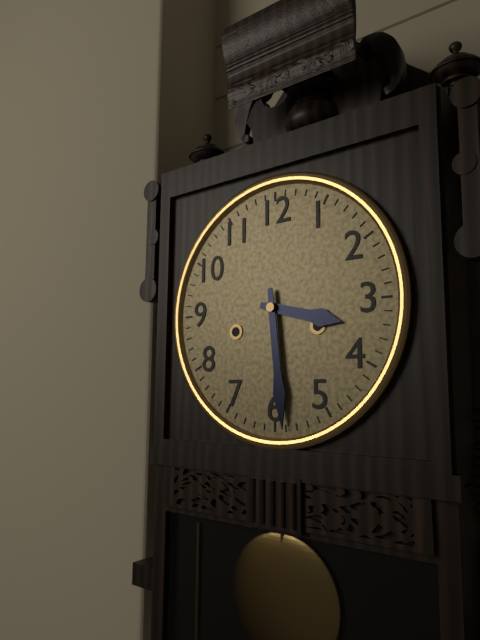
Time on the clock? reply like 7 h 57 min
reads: 3 h 29 min
